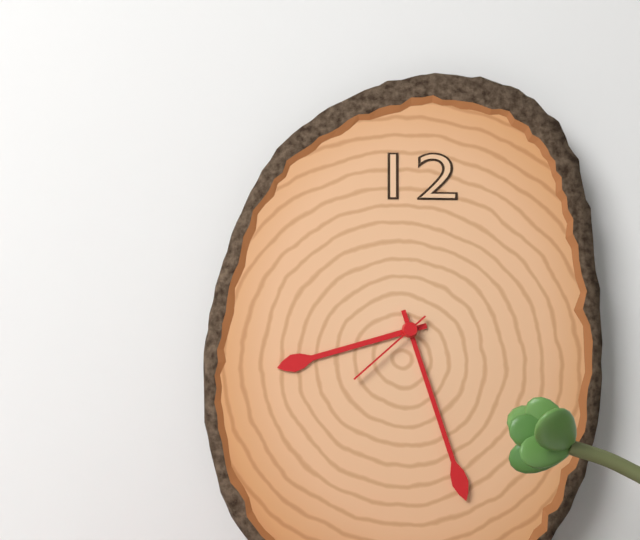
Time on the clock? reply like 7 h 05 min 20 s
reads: 8 h 27 min 38 s
